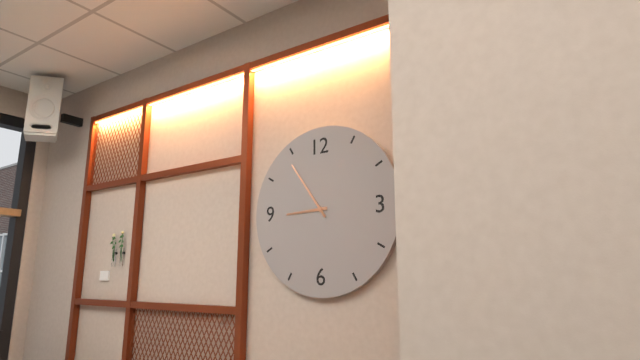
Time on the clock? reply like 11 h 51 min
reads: 8 h 54 min
